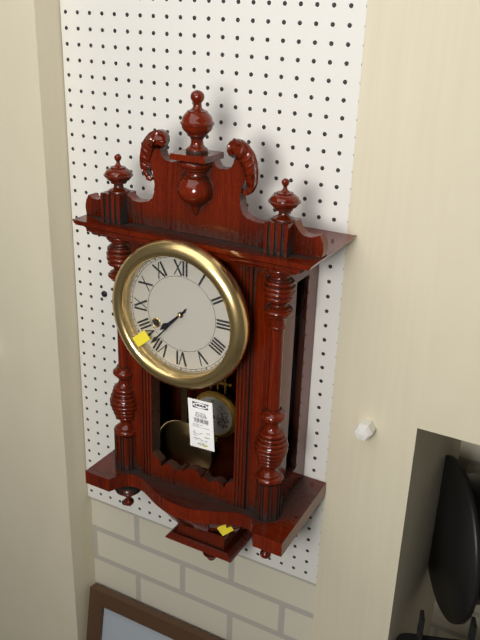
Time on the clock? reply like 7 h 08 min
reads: 7 h 37 min
